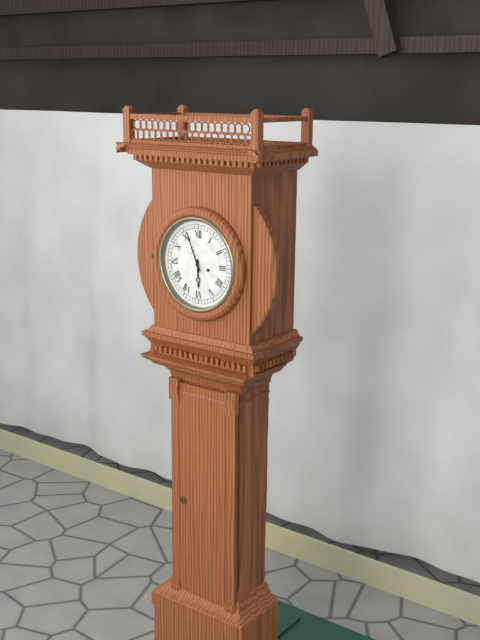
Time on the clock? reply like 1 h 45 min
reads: 5 h 56 min
